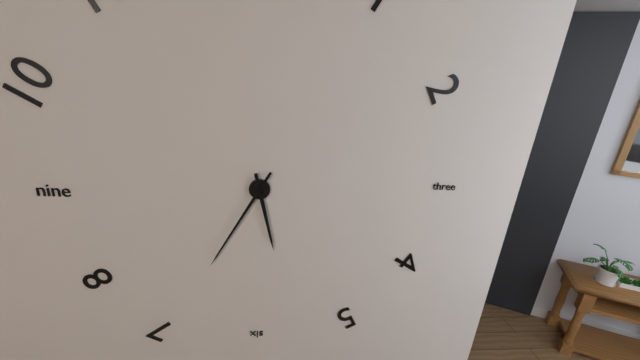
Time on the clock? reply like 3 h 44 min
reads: 5 h 35 min
